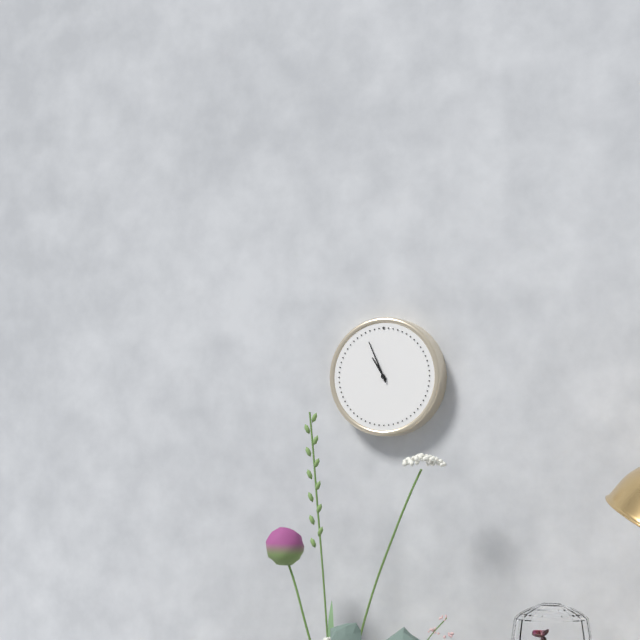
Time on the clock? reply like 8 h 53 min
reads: 10 h 56 min
